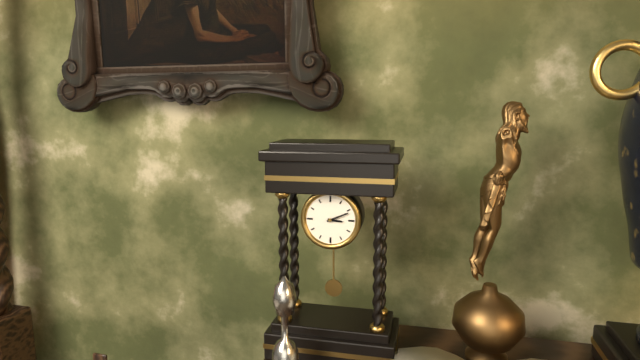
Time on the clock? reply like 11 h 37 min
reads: 3 h 11 min
